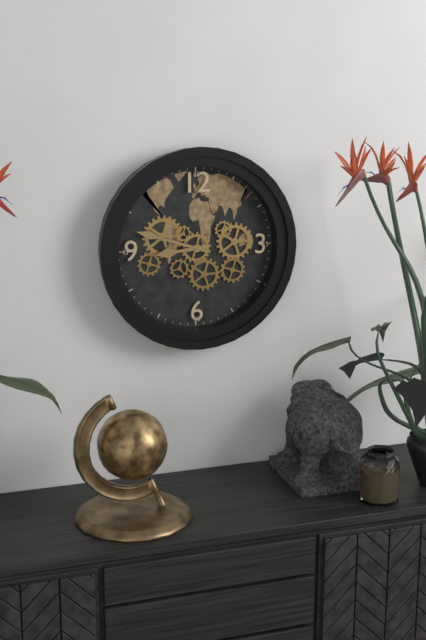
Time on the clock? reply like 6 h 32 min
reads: 8 h 48 min
